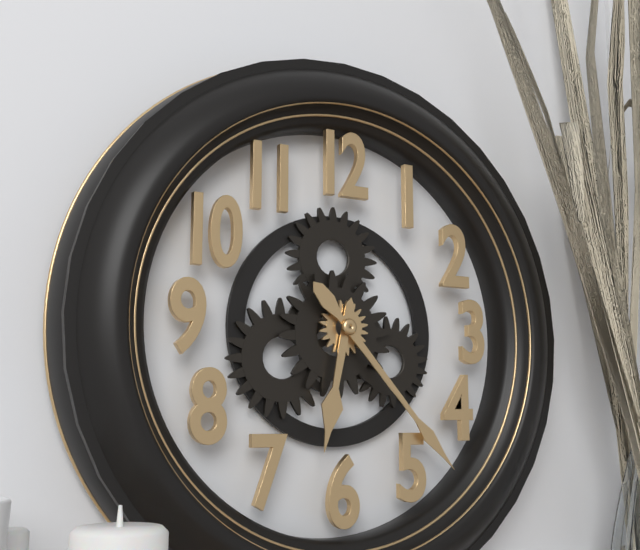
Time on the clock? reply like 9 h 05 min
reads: 6 h 23 min
